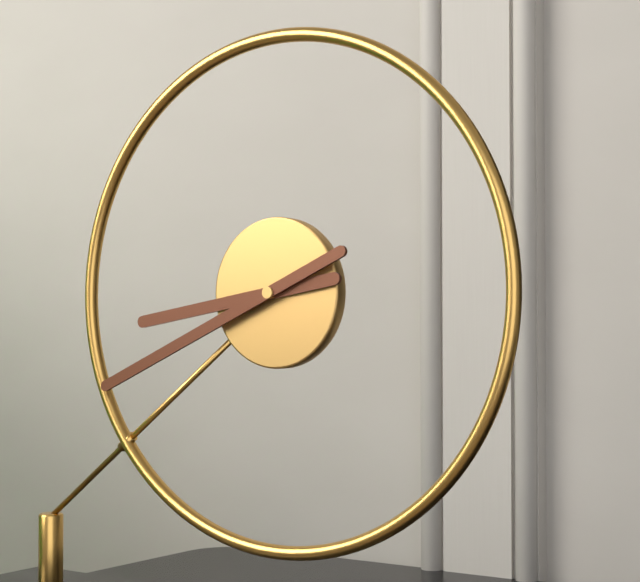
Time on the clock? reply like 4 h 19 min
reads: 8 h 41 min
